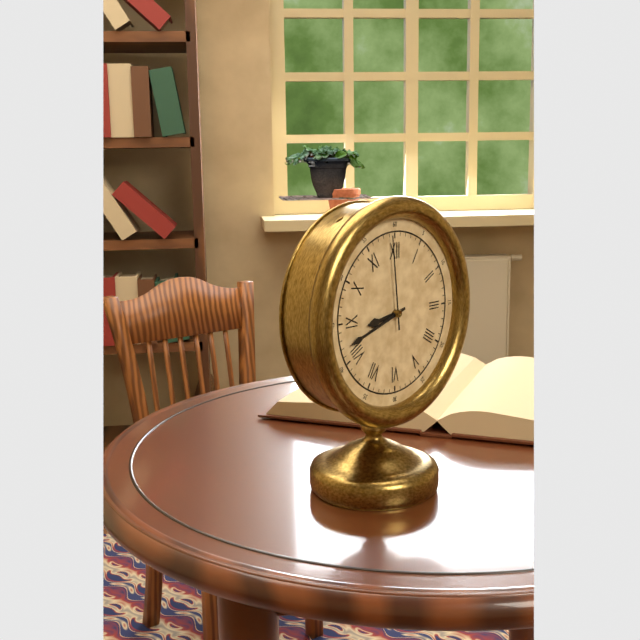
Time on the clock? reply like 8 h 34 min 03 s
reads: 8 h 42 min 59 s
